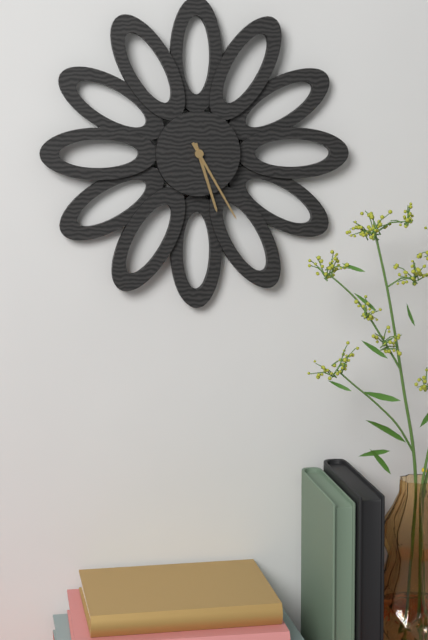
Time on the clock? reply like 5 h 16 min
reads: 5 h 25 min
